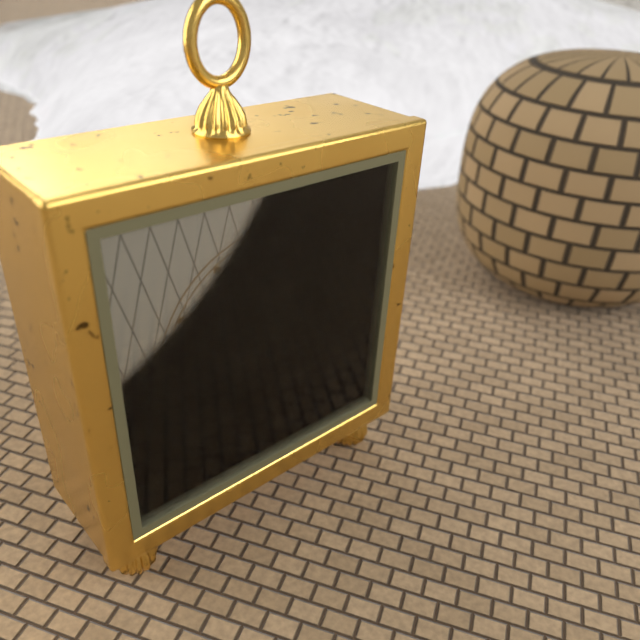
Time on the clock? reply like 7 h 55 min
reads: 11 h 29 min
